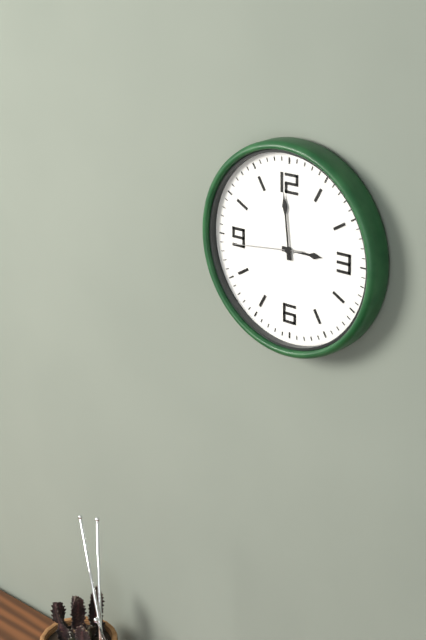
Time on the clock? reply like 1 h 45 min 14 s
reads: 2 h 59 min 44 s
